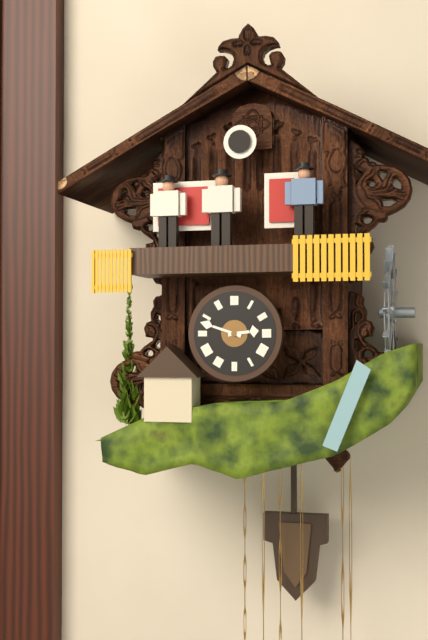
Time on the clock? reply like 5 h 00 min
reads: 2 h 48 min
